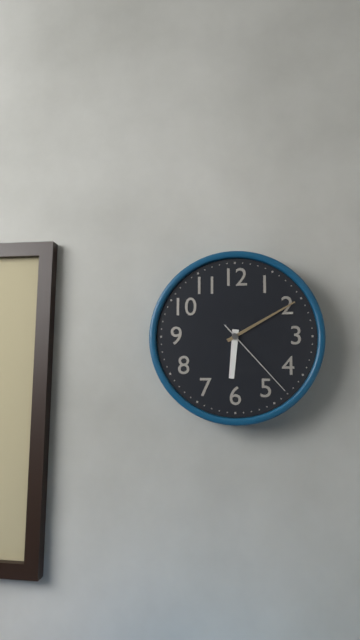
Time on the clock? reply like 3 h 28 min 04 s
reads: 6 h 10 min 23 s
